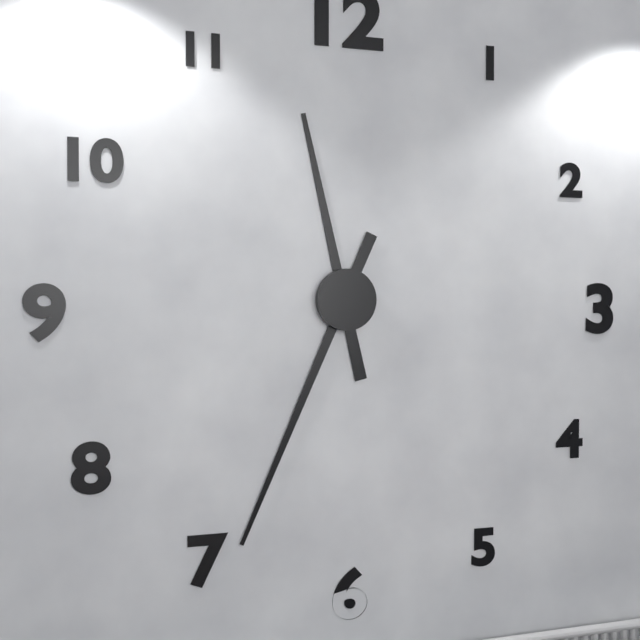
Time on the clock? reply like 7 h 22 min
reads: 11 h 34 min
